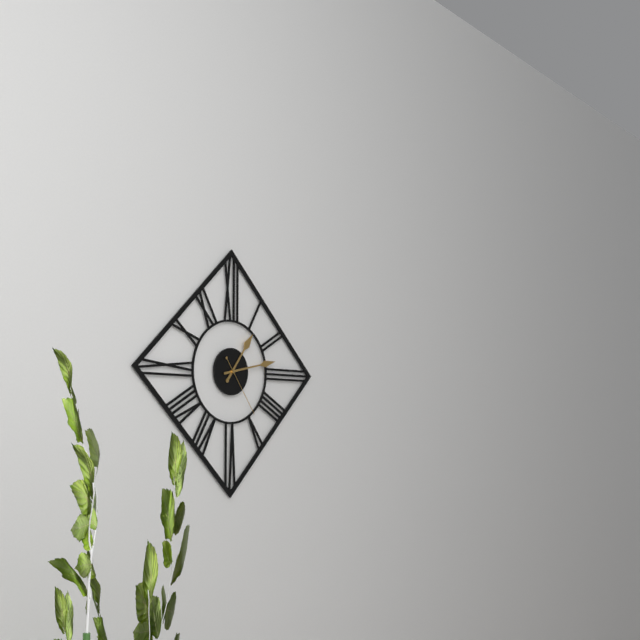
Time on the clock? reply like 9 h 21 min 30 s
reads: 1 h 13 min 24 s
